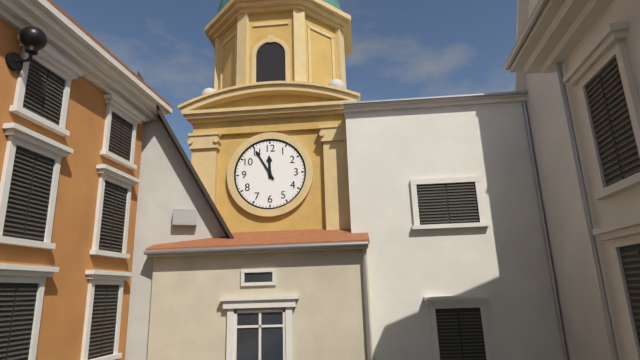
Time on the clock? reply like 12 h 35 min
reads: 11 h 55 min
